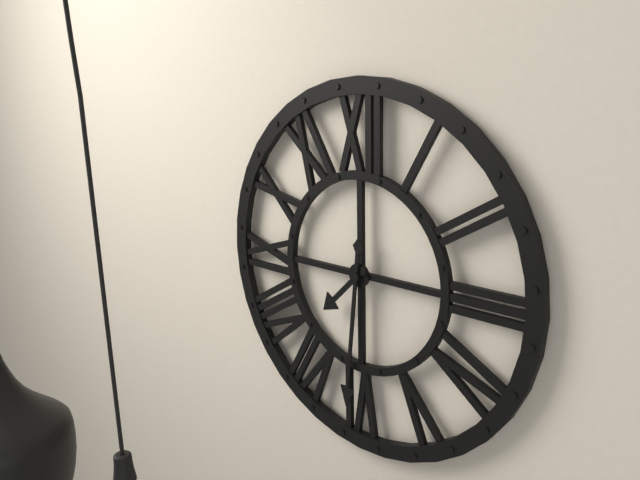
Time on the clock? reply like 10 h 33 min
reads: 7 h 31 min
